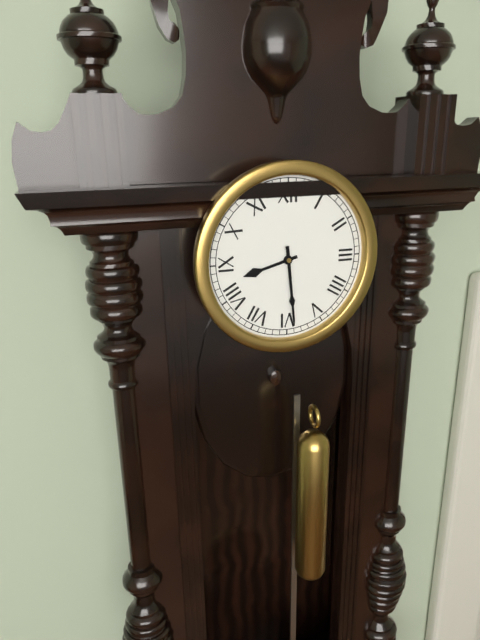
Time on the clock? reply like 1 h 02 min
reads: 8 h 29 min
